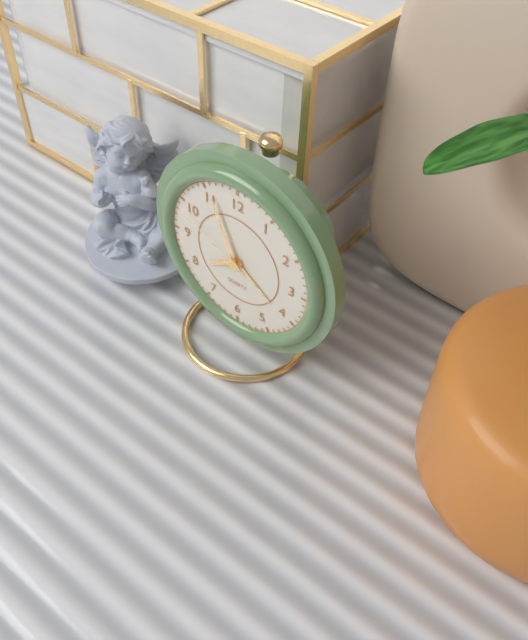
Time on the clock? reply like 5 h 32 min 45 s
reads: 7 h 56 min 49 s
